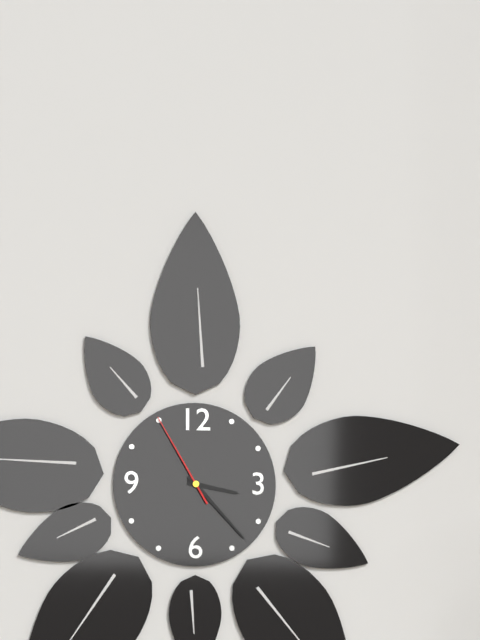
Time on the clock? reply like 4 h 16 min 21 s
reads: 3 h 23 min 55 s
